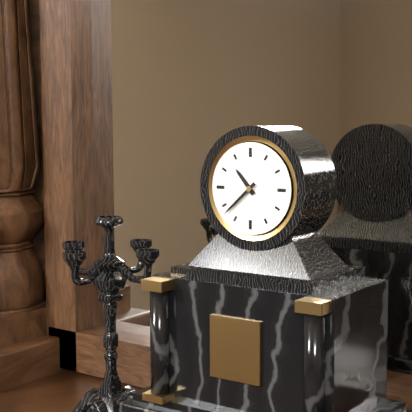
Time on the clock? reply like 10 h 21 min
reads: 10 h 38 min
